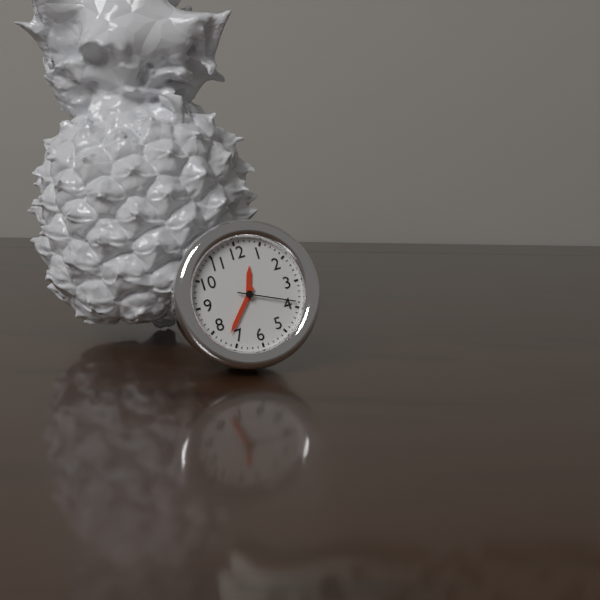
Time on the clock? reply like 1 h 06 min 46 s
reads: 12 h 37 min 19 s
